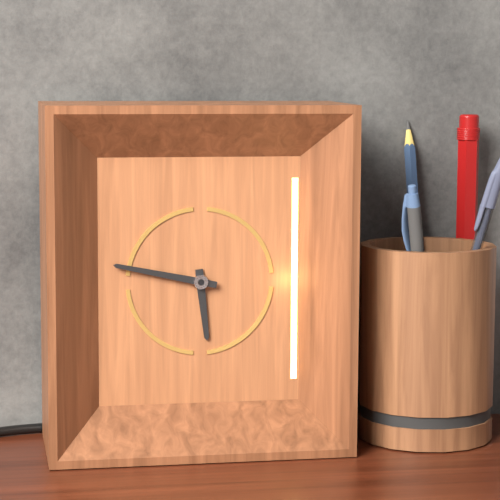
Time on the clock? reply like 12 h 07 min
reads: 5 h 47 min
